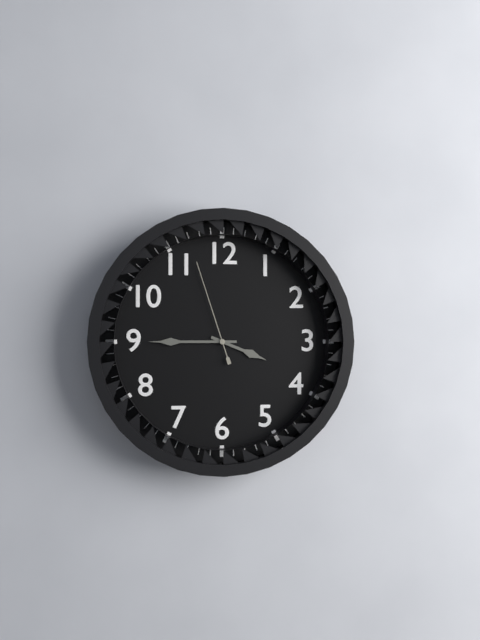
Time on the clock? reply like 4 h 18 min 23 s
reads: 3 h 45 min 57 s
